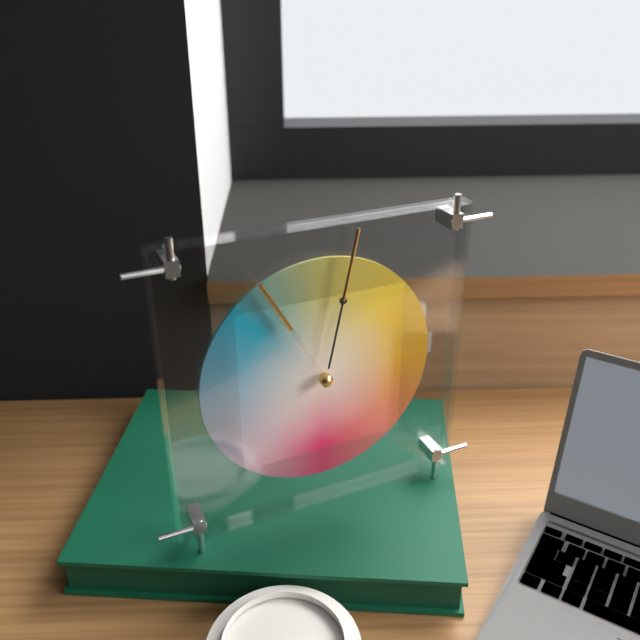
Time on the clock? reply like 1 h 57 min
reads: 11 h 02 min
